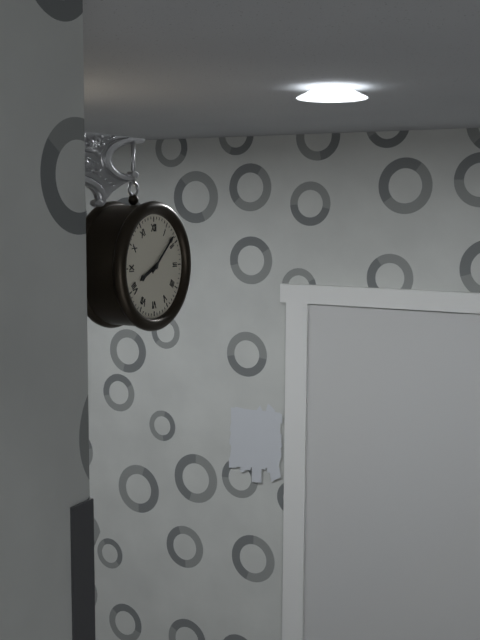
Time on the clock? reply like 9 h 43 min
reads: 8 h 08 min
